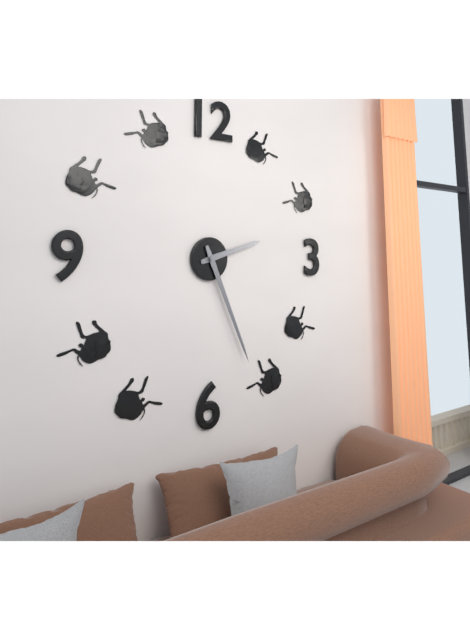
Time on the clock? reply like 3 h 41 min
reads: 2 h 26 min
